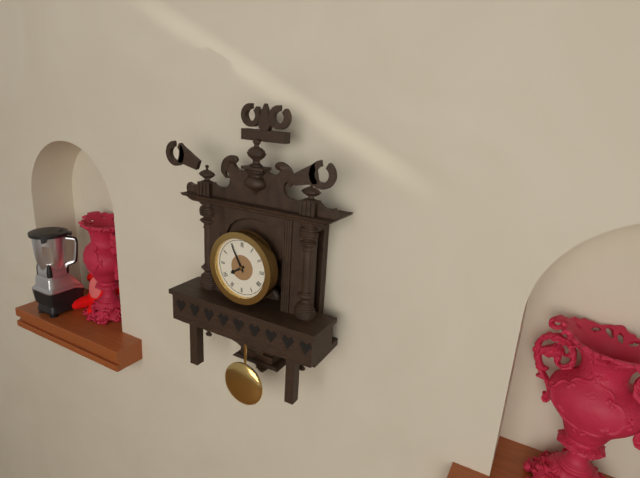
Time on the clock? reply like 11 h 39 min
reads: 7 h 55 min
